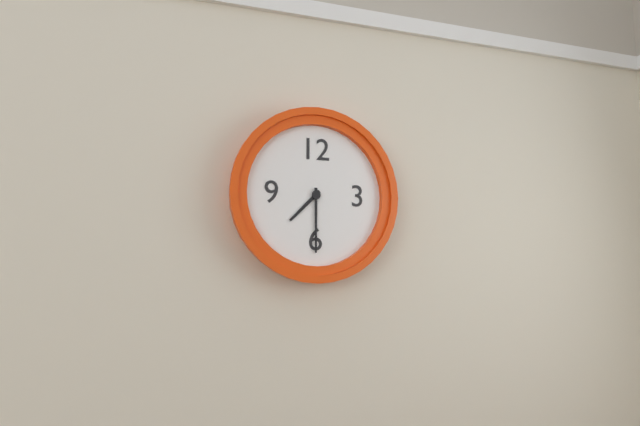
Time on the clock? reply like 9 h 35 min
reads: 7 h 30 min
